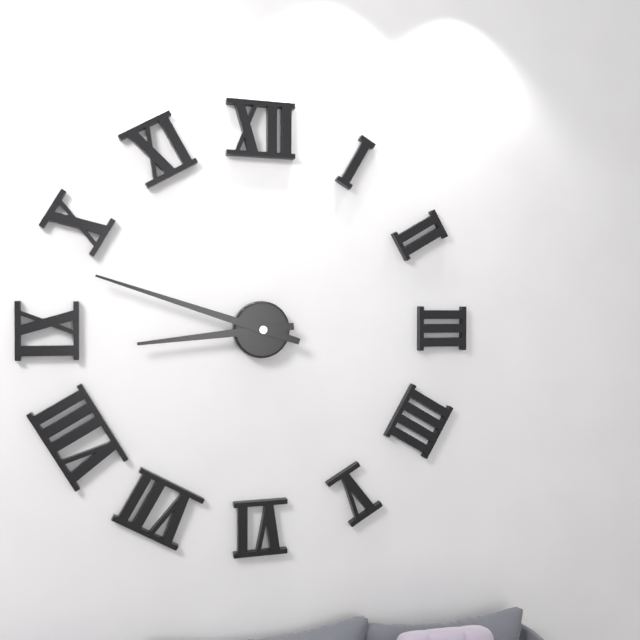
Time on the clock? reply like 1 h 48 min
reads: 8 h 48 min
